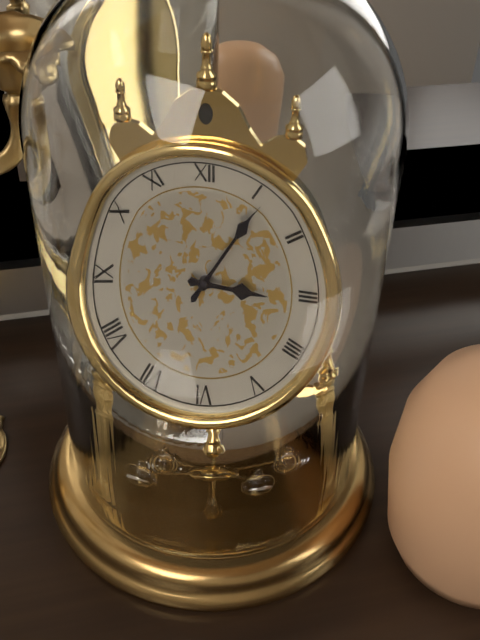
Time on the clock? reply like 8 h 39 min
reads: 3 h 06 min
